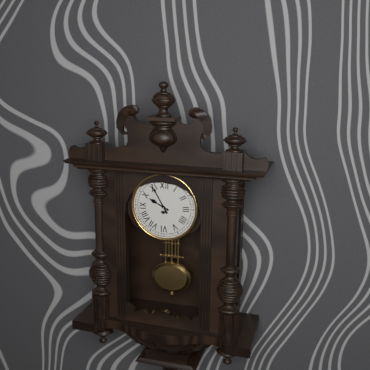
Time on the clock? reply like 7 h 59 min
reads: 9 h 55 min
